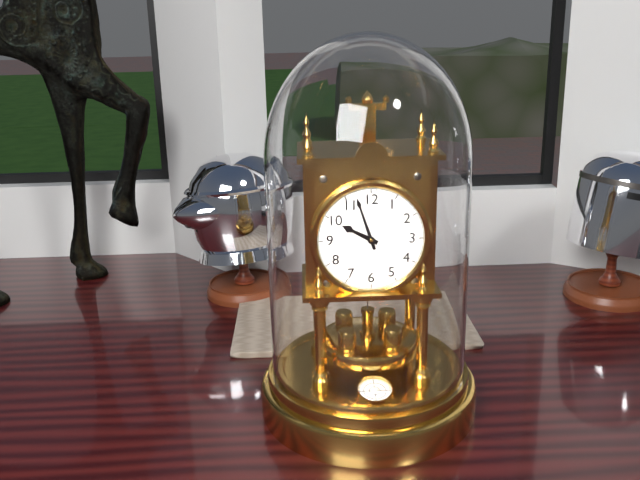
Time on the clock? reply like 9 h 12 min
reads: 9 h 57 min
